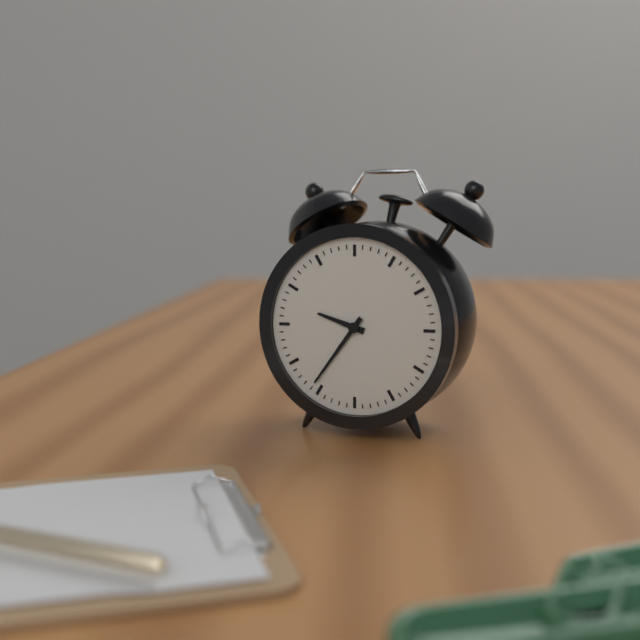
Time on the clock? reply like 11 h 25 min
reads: 9 h 36 min
